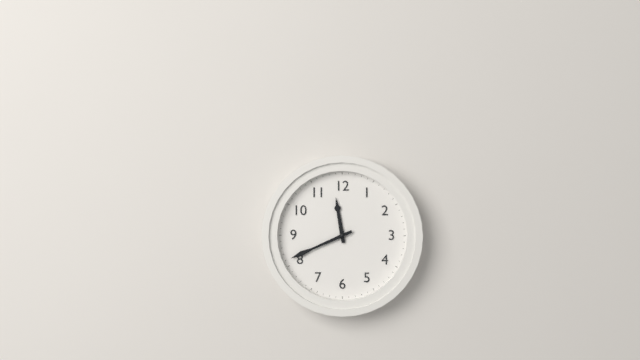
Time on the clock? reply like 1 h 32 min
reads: 11 h 41 min
